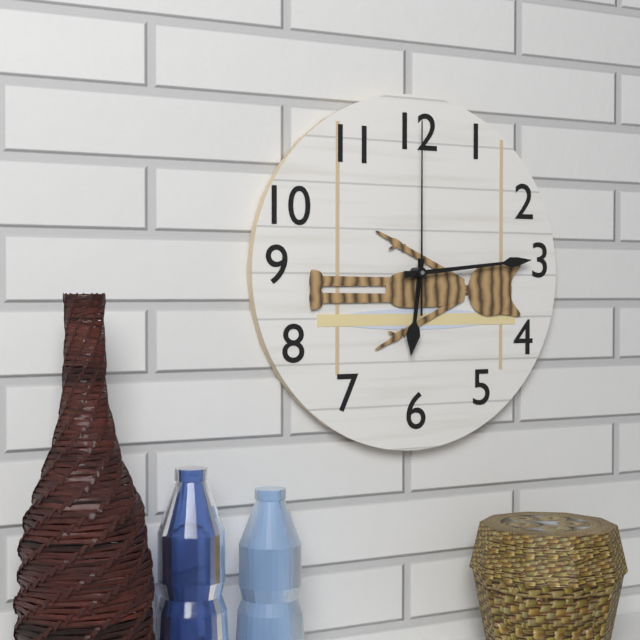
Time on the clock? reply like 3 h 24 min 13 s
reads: 6 h 14 min 00 s
